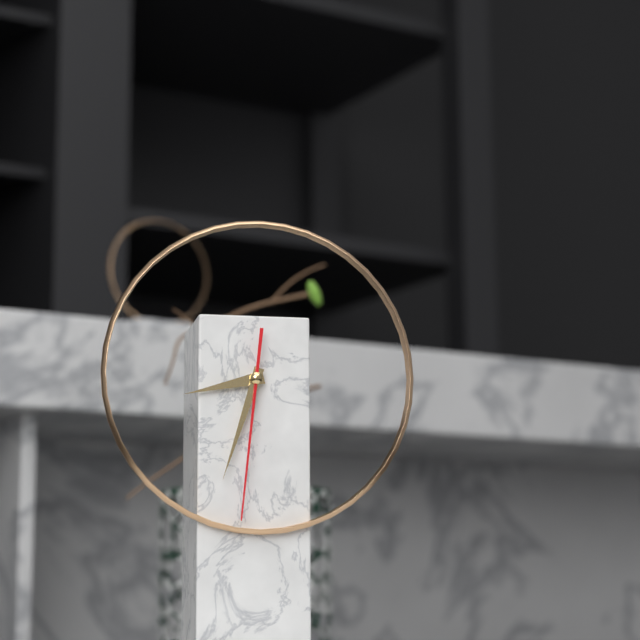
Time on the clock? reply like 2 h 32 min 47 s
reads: 8 h 33 min 31 s
